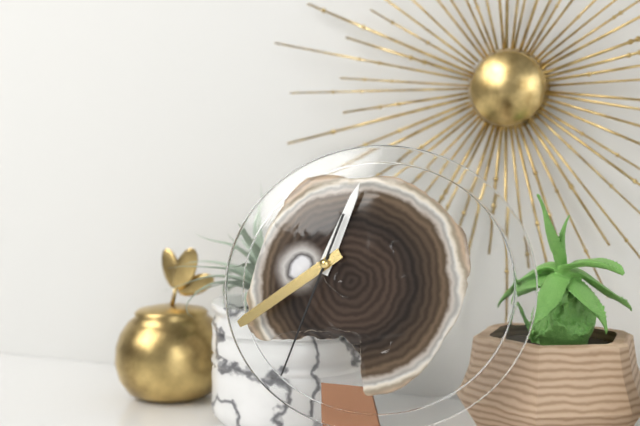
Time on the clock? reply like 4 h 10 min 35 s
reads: 12 h 39 min 33 s
